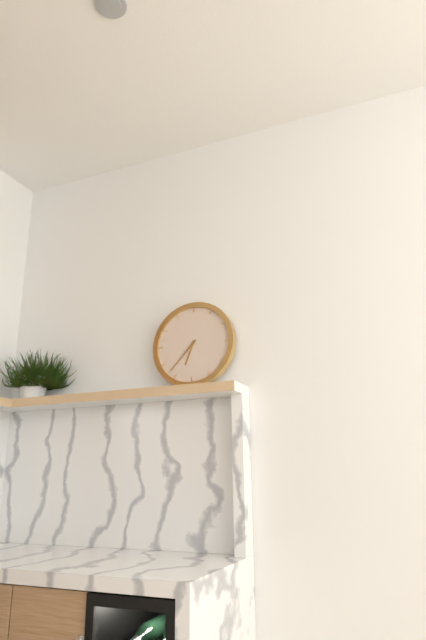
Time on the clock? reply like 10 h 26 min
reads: 6 h 37 min
